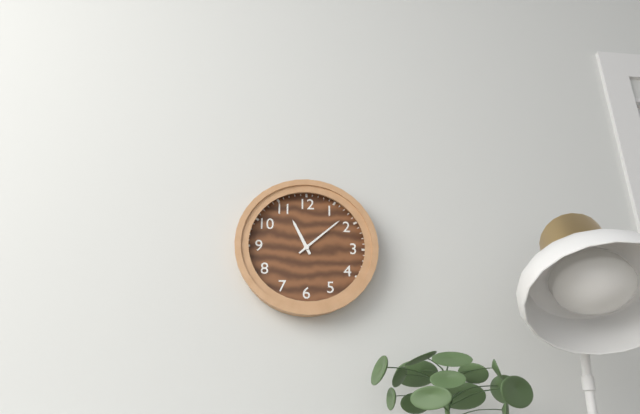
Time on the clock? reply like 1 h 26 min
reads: 11 h 08 min
